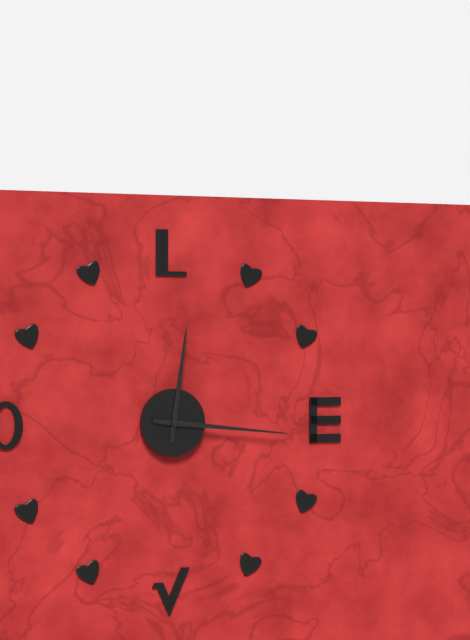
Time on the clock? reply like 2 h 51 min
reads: 12 h 16 min
